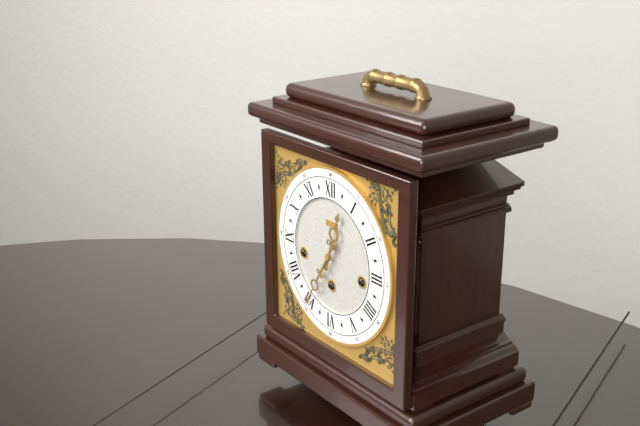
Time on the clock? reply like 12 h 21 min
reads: 12 h 35 min
